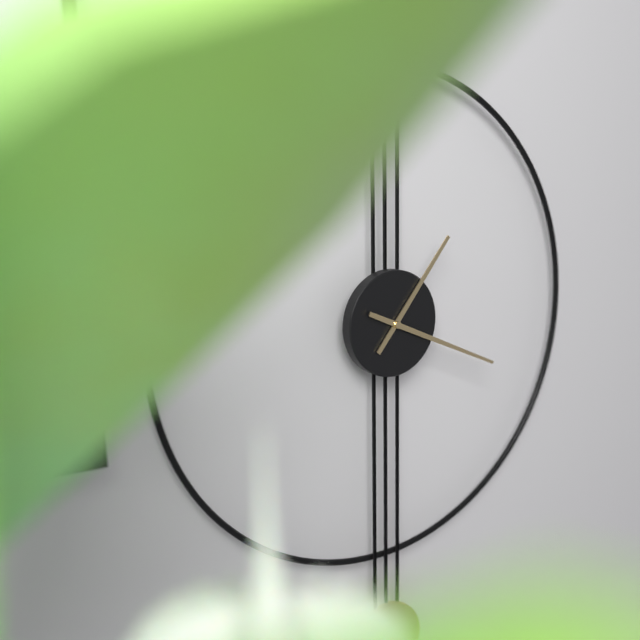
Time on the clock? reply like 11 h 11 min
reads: 1 h 19 min
